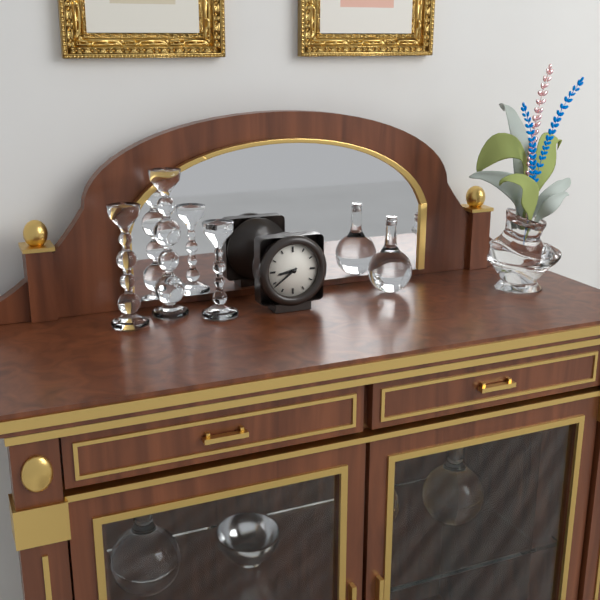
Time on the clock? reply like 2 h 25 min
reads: 8 h 39 min
